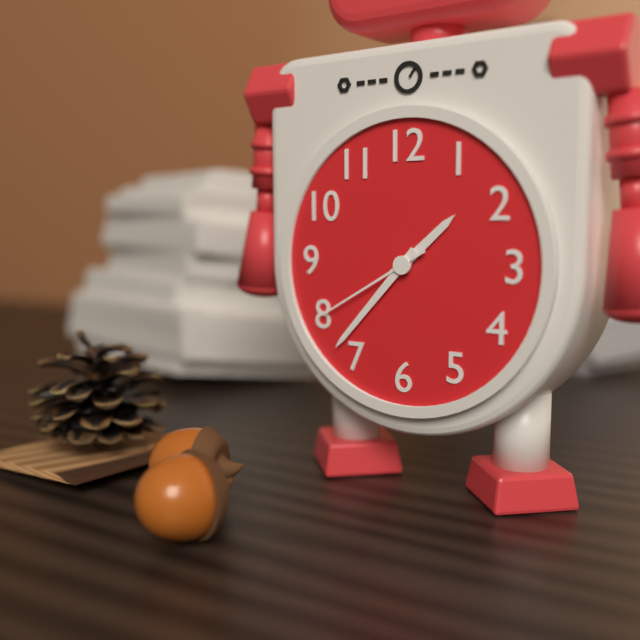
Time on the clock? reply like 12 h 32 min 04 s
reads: 1 h 37 min 40 s
